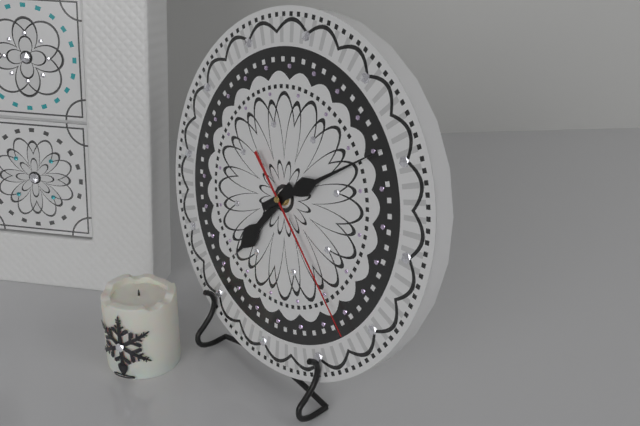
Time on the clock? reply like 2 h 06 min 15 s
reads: 7 h 09 min 22 s
